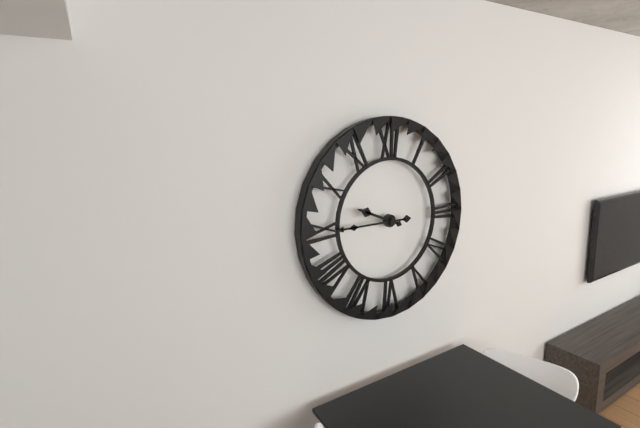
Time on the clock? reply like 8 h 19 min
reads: 9 h 45 min
